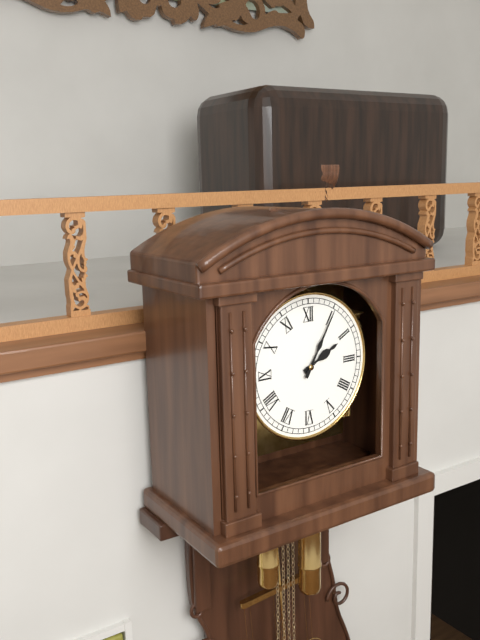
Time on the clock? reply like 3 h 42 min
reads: 2 h 05 min
